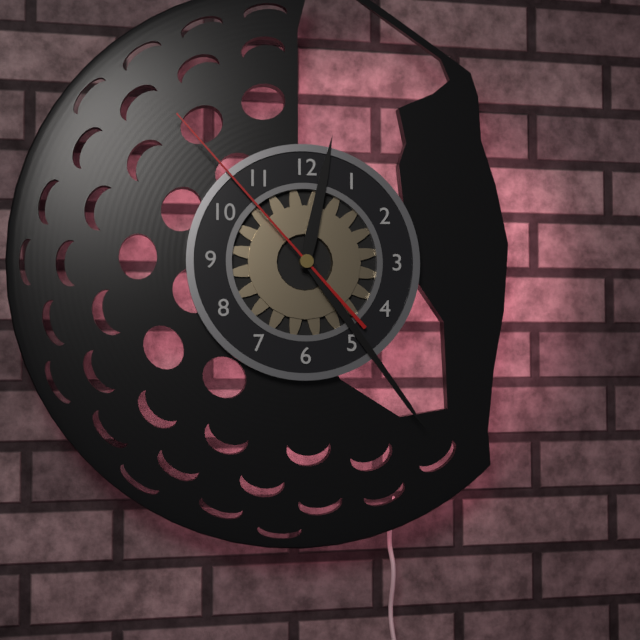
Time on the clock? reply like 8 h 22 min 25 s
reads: 12 h 24 min 53 s
